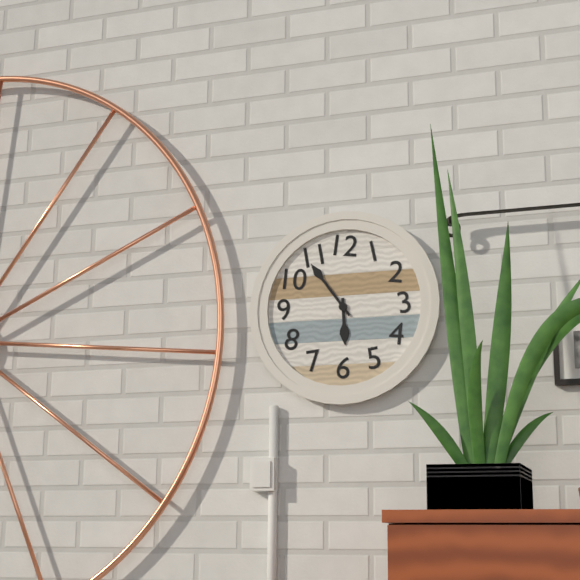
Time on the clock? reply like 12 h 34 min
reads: 5 h 54 min
